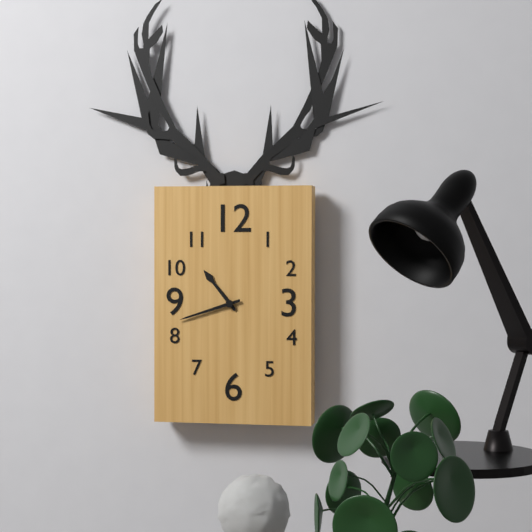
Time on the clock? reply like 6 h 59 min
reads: 10 h 42 min
